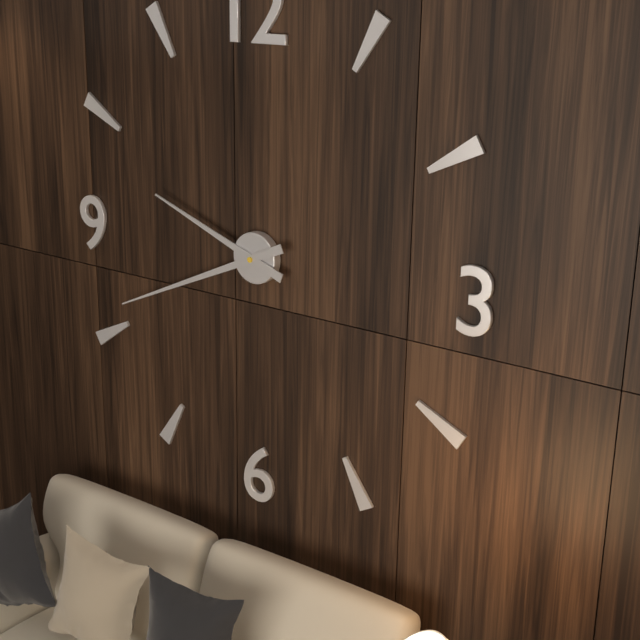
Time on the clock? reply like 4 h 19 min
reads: 9 h 41 min
